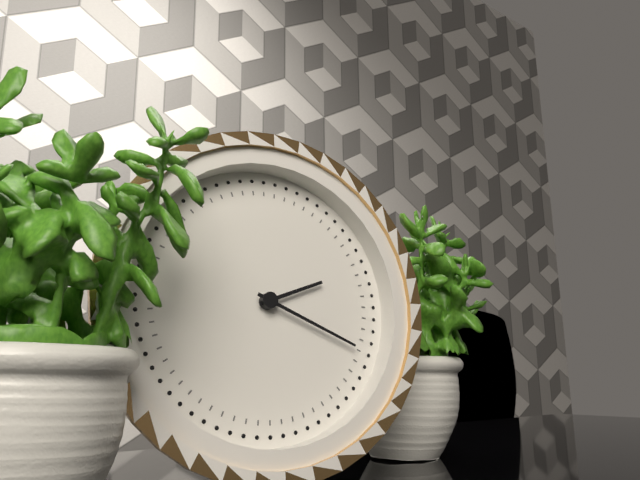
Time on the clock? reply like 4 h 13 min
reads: 2 h 19 min
